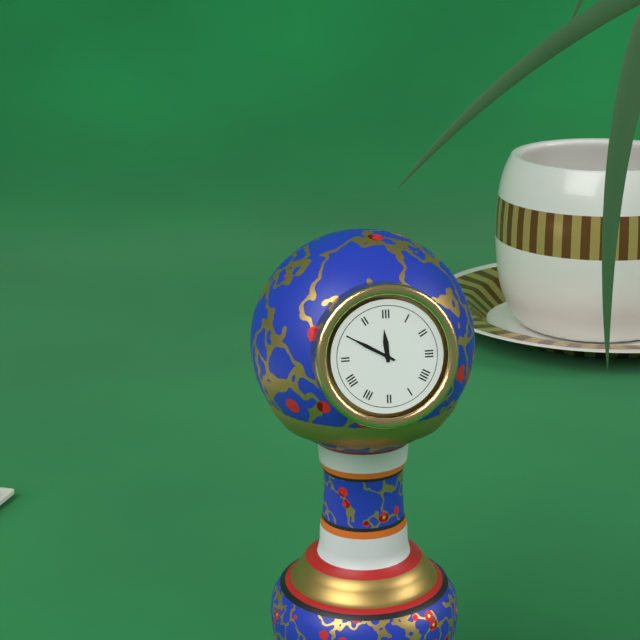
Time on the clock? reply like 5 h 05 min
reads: 11 h 50 min
